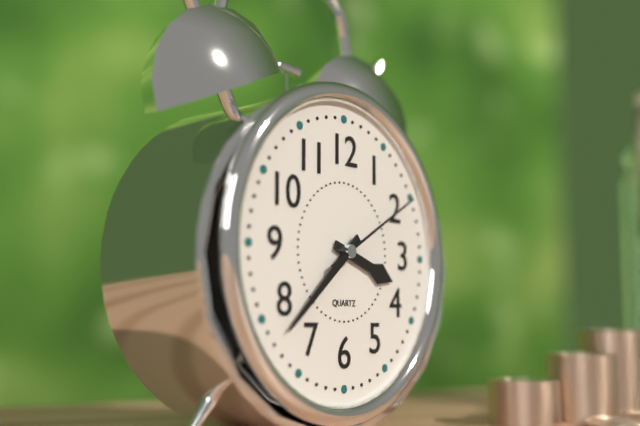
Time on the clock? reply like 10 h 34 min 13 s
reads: 3 h 38 min 10 s
